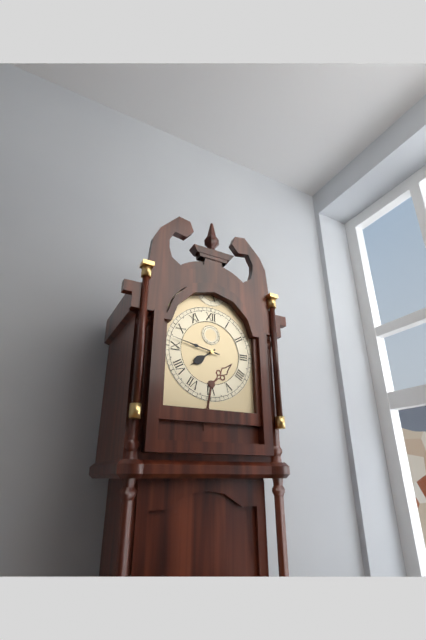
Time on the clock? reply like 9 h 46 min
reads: 7 h 47 min
